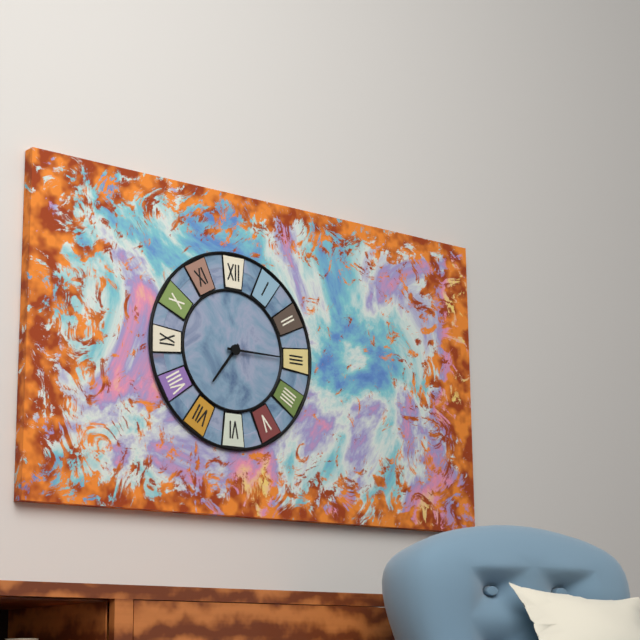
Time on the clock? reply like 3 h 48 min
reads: 7 h 15 min
